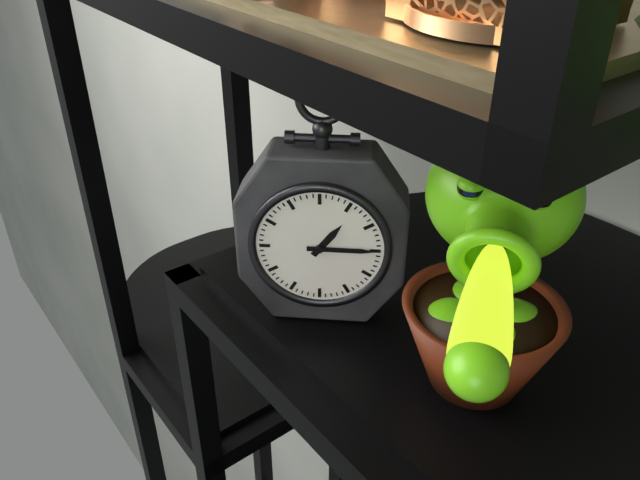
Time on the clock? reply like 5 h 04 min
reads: 1 h 15 min
